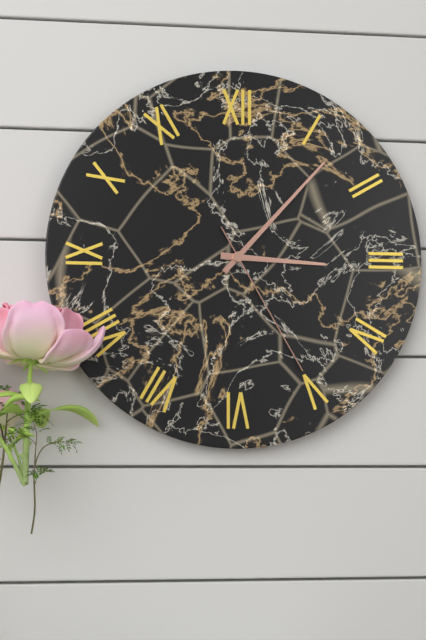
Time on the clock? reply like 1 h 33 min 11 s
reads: 3 h 07 min 25 s
